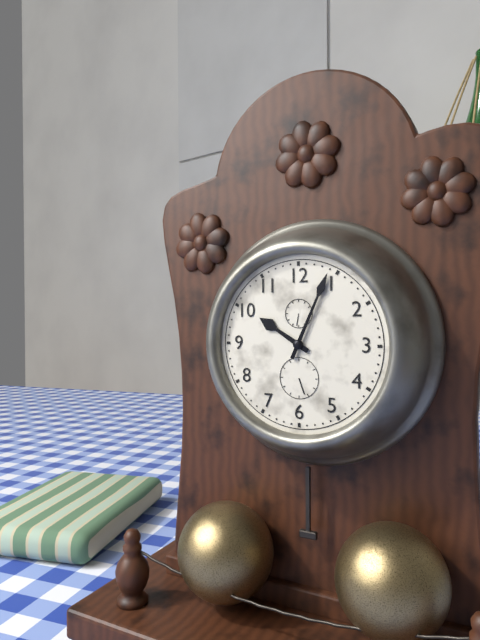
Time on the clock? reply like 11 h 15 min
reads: 10 h 04 min
